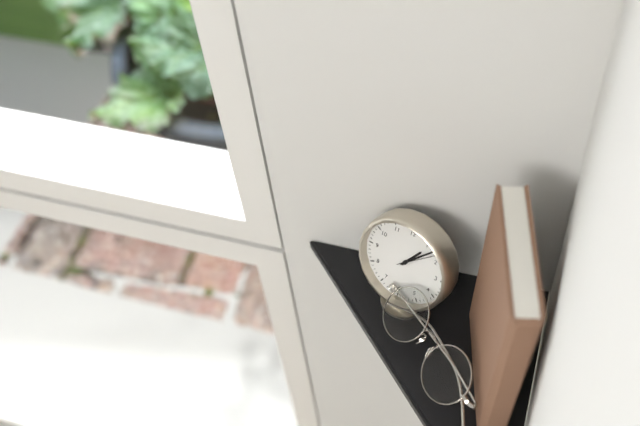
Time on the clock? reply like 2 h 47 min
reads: 1 h 07 min
